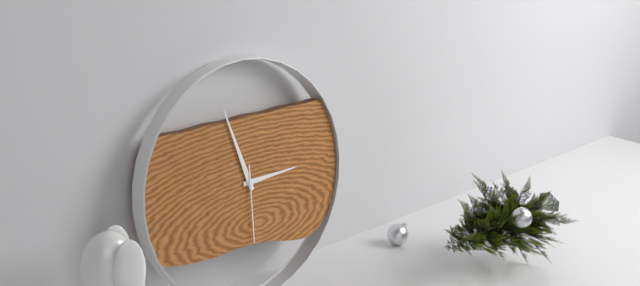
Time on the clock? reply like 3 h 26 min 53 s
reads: 2 h 57 min 30 s
